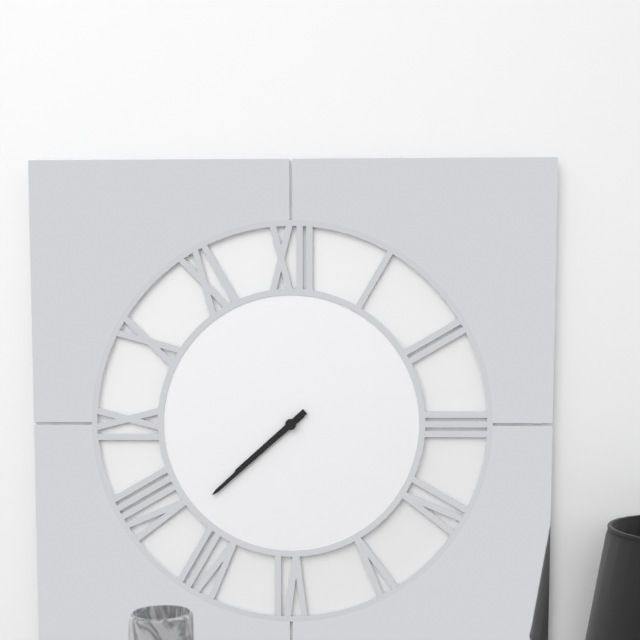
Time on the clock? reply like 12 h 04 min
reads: 7 h 38 min
